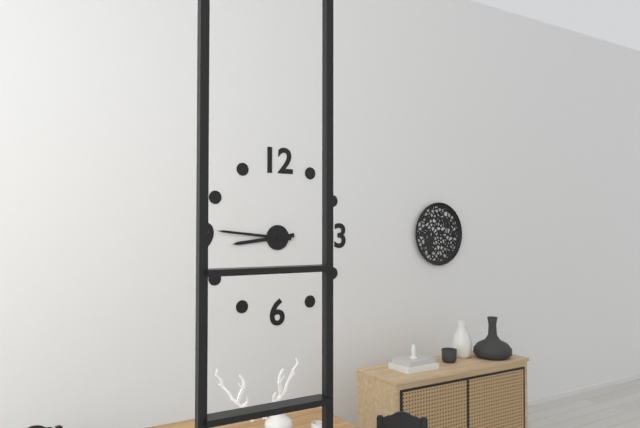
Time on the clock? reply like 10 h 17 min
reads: 8 h 46 min
